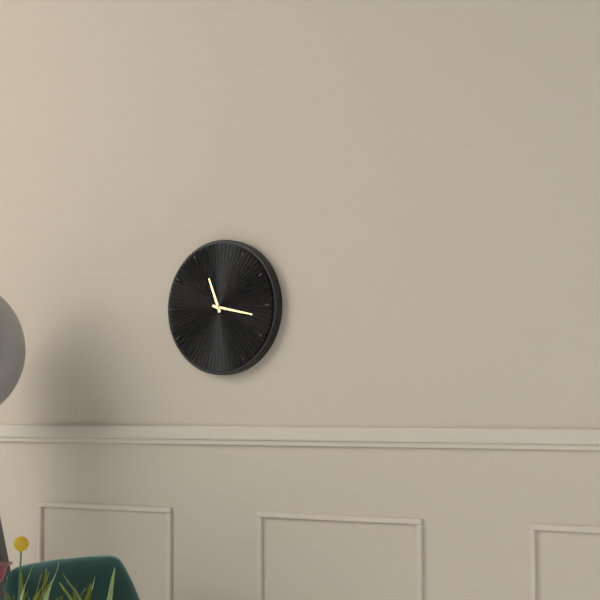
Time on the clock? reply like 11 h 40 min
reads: 11 h 17 min
